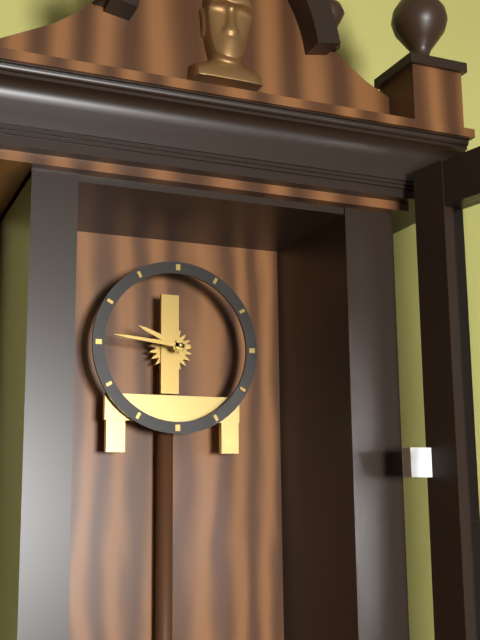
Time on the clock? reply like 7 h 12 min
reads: 9 h 46 min
